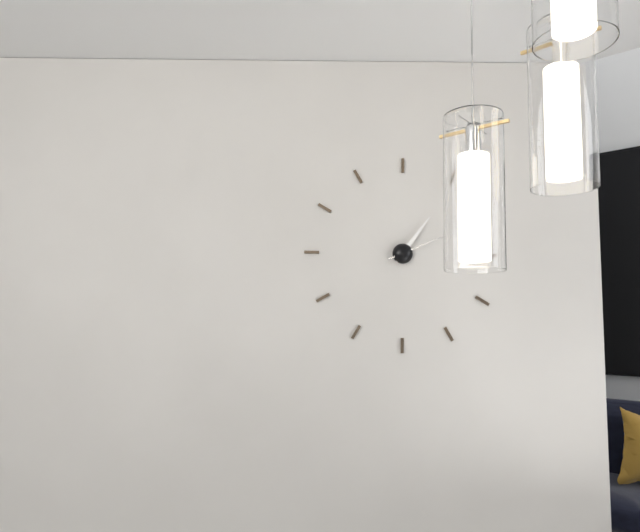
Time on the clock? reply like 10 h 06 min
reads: 1 h 11 min
